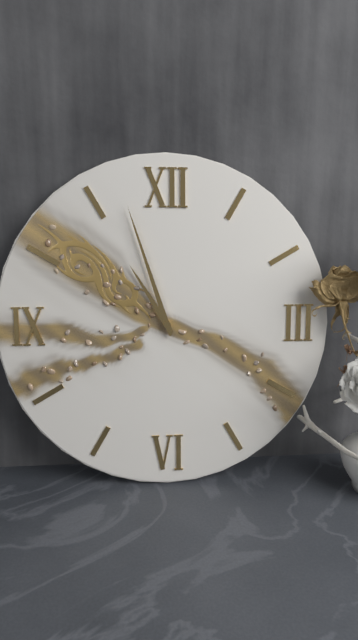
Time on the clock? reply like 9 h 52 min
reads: 10 h 57 min
